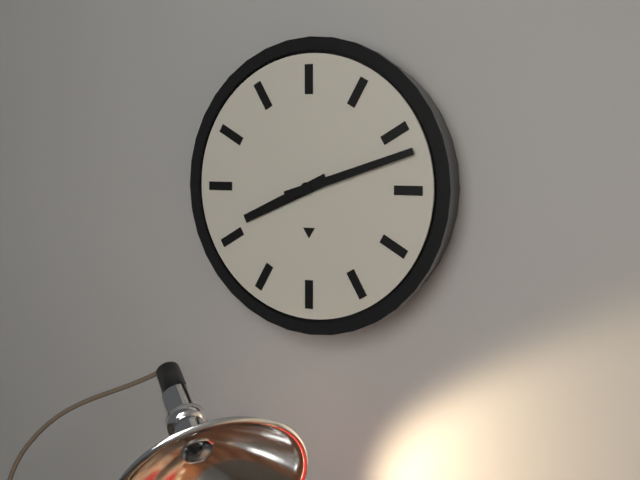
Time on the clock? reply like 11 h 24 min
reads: 8 h 12 min
